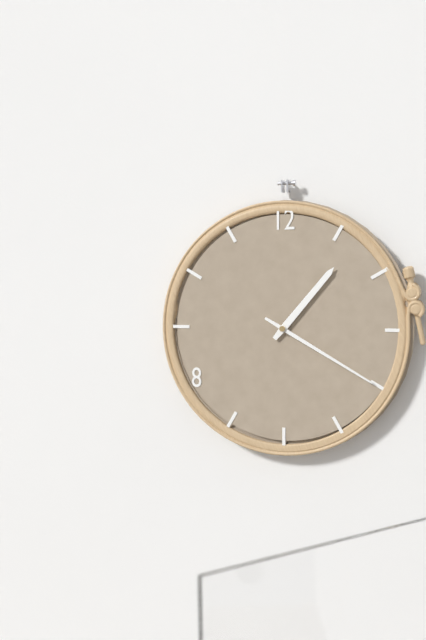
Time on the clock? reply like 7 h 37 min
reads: 1 h 20 min
